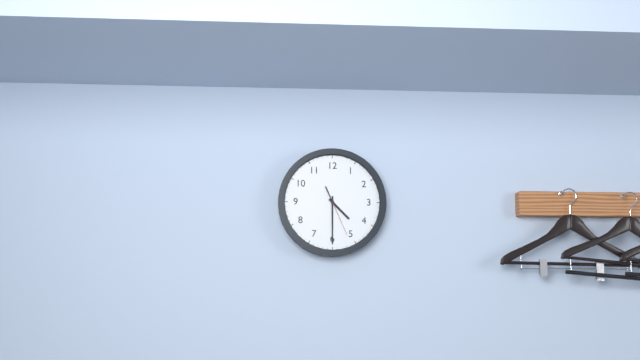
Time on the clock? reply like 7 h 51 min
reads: 4 h 30 min
